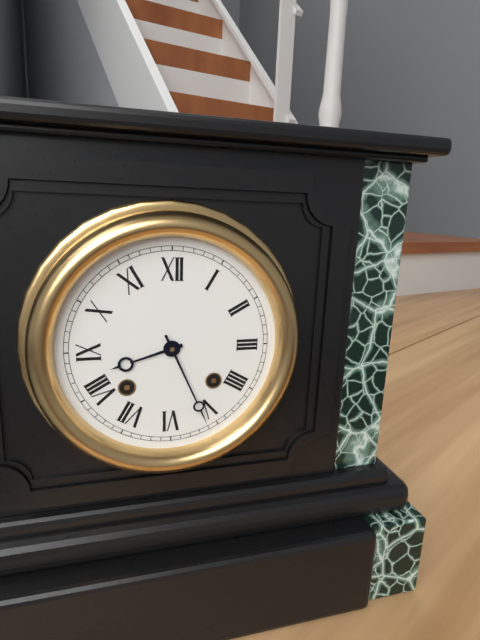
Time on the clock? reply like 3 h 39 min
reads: 8 h 26 min
